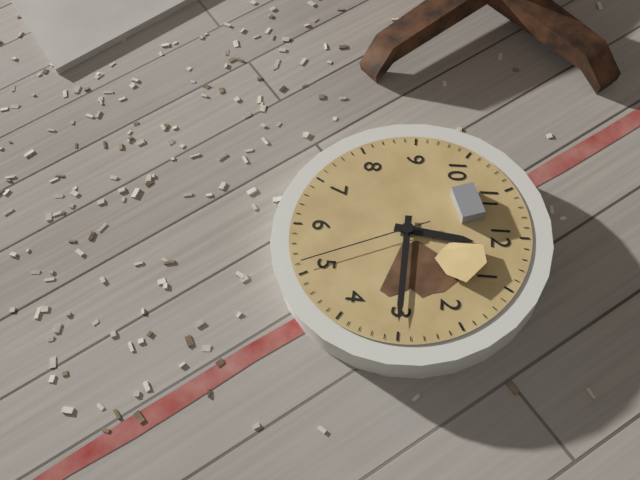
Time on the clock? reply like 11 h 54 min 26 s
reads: 12 h 15 min 26 s
